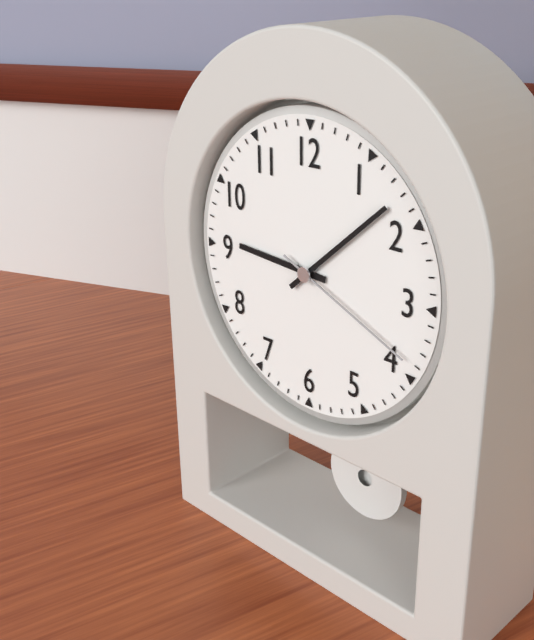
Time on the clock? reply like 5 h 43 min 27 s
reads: 9 h 08 min 19 s
